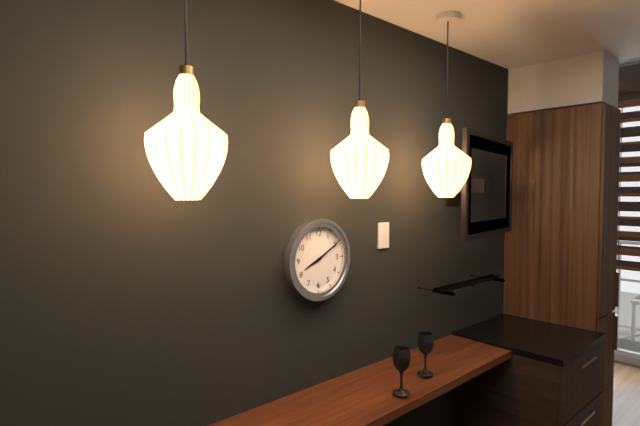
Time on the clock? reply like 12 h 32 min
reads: 8 h 10 min
